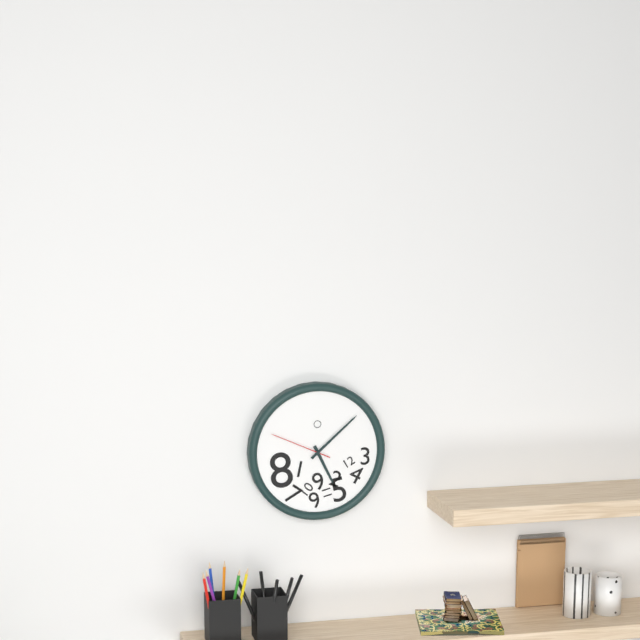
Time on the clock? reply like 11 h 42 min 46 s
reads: 5 h 08 min 49 s
